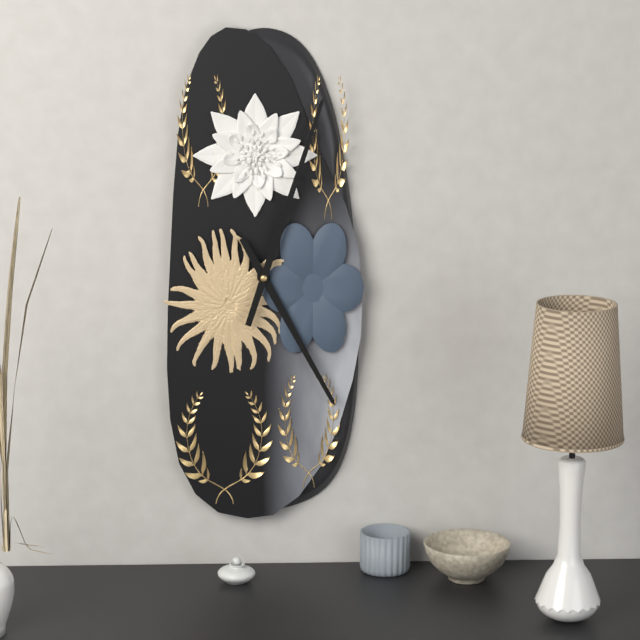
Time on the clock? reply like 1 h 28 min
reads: 5 h 03 min
